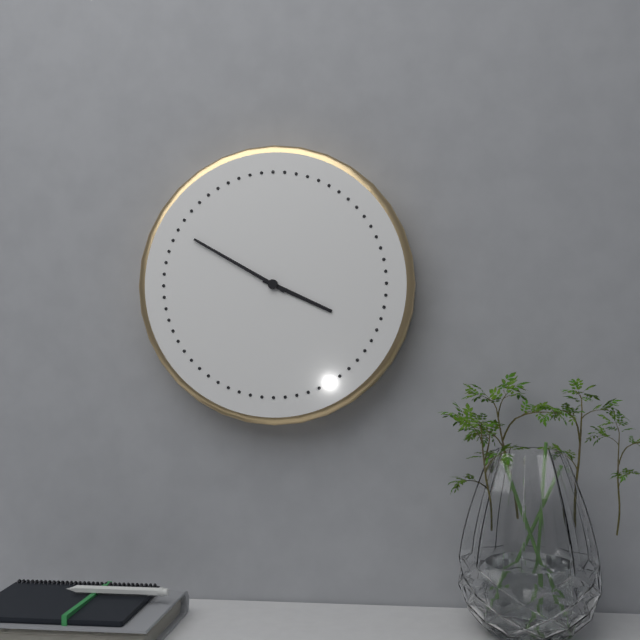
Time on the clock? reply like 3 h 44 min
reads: 3 h 50 min
